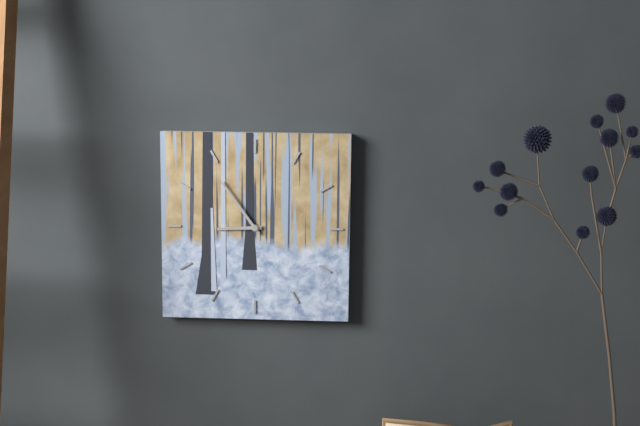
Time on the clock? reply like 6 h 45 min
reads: 8 h 54 min
